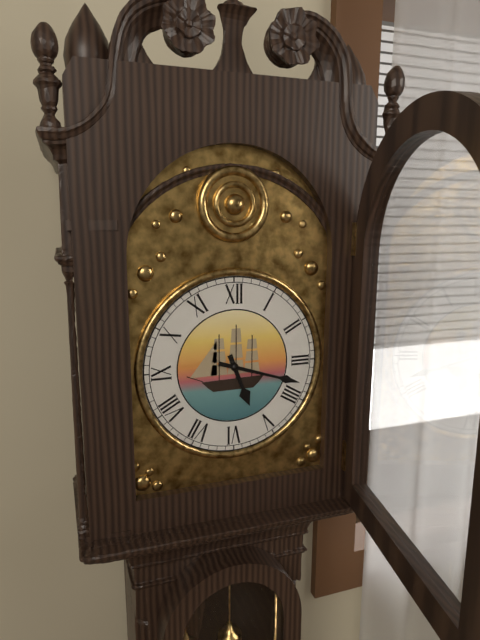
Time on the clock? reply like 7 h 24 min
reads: 5 h 18 min
